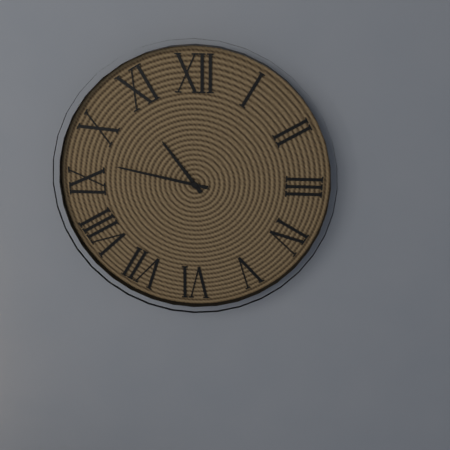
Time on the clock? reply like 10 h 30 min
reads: 10 h 47 min
